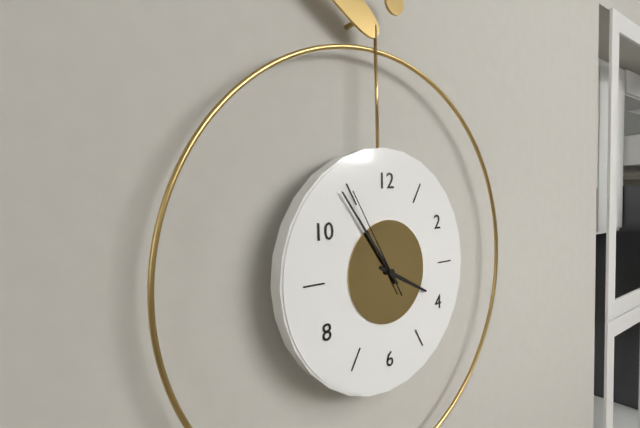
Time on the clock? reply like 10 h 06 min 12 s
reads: 3 h 54 min 55 s
